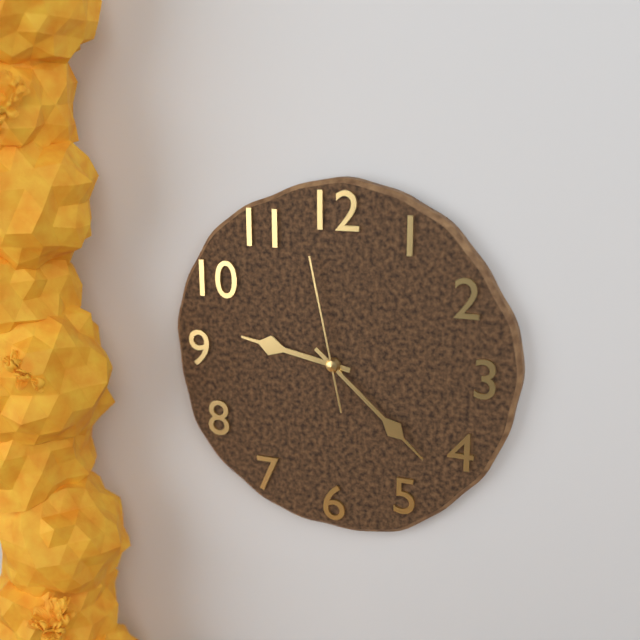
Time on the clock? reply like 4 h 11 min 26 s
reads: 9 h 22 min 58 s
